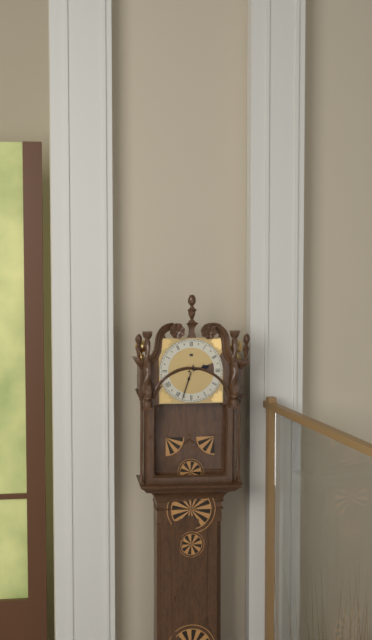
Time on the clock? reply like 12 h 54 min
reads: 2 h 33 min
